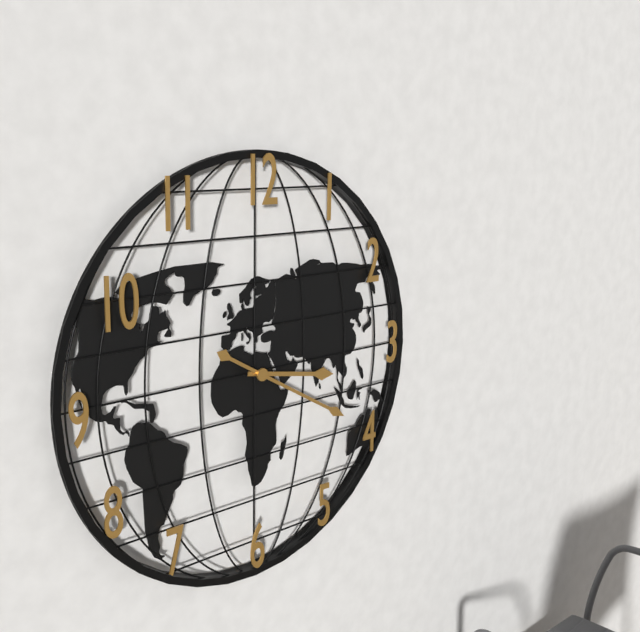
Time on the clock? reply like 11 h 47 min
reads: 3 h 20 min
